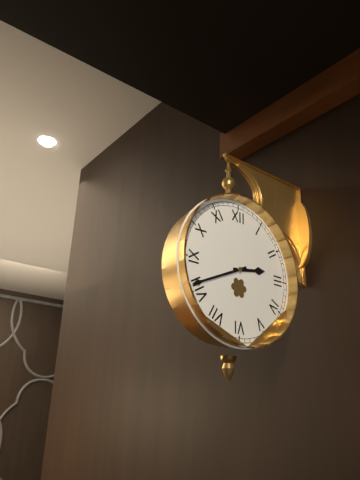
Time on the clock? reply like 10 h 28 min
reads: 2 h 41 min
